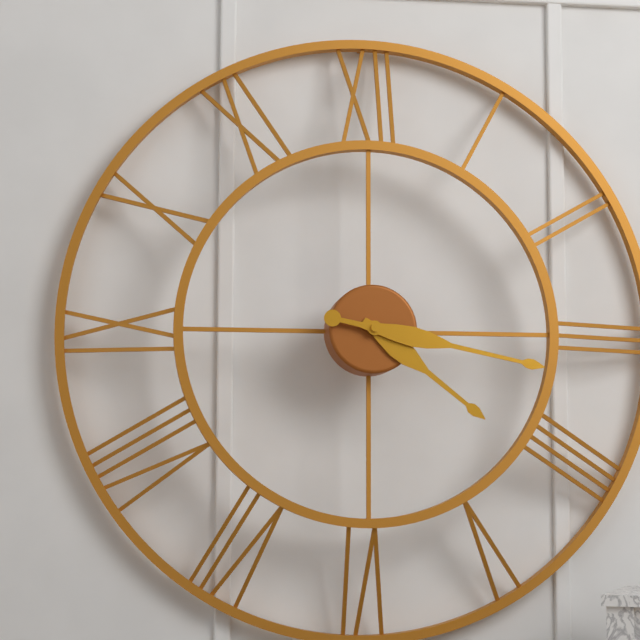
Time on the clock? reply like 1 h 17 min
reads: 4 h 17 min
